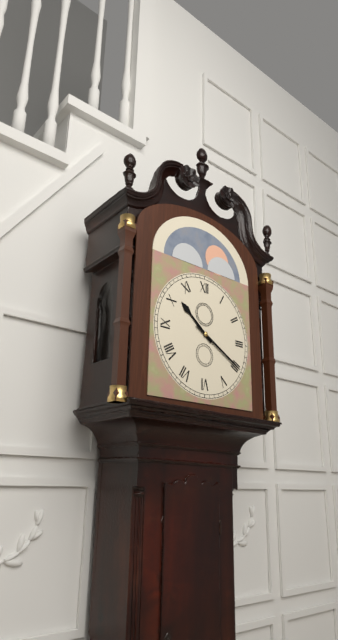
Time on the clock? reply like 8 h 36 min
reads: 10 h 20 min
